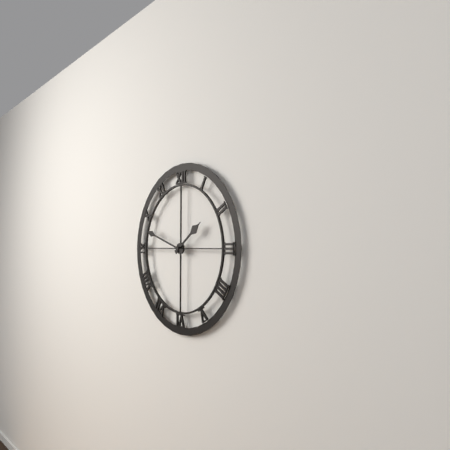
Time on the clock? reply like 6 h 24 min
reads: 1 h 48 min
